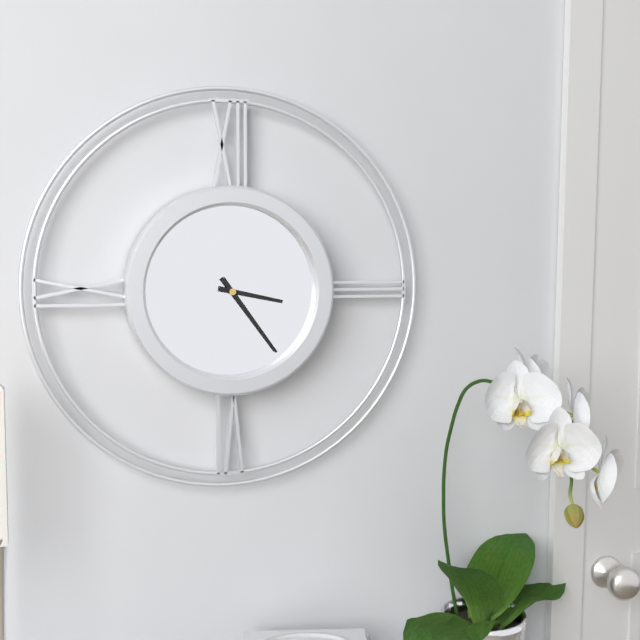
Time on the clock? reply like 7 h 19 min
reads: 3 h 24 min
